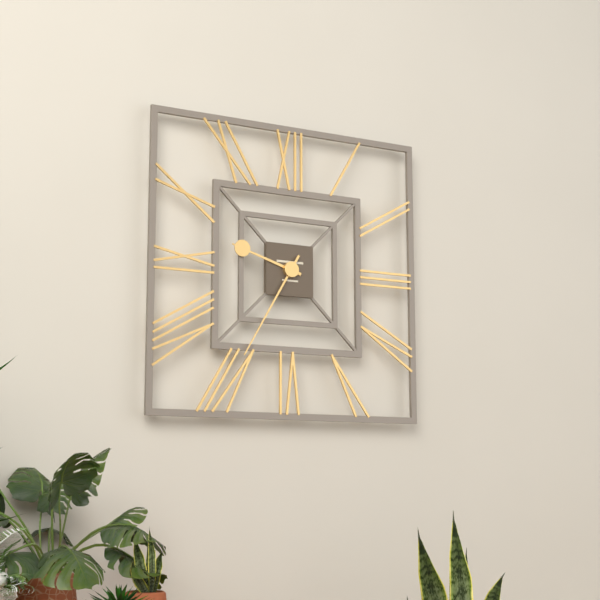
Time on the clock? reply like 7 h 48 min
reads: 9 h 35 min
